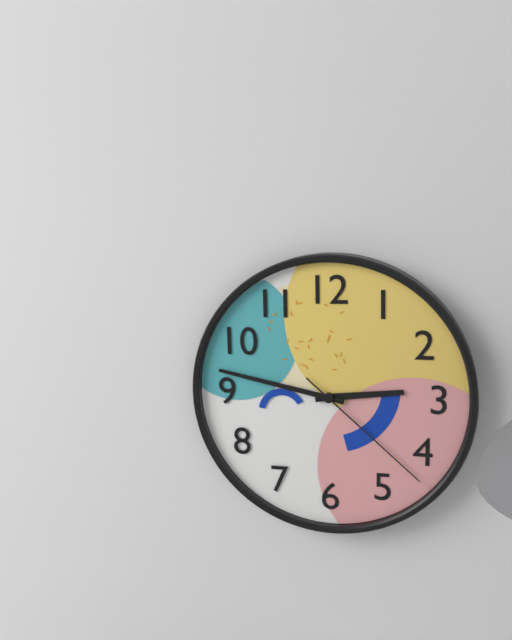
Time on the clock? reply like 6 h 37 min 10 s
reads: 2 h 47 min 22 s
